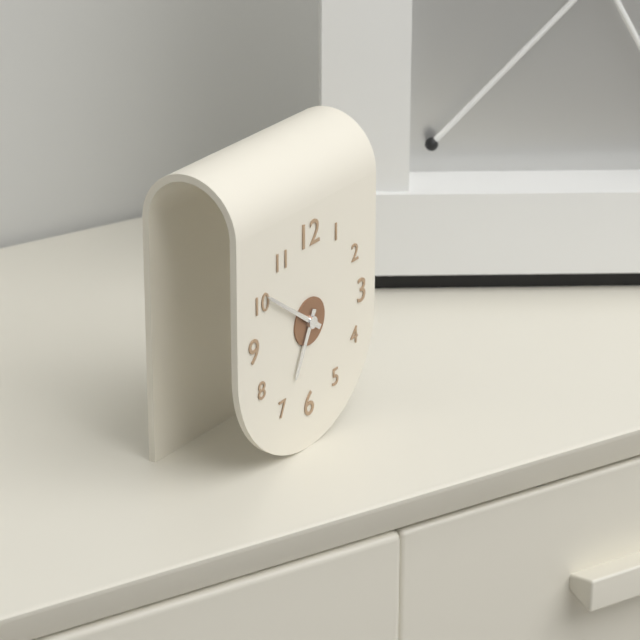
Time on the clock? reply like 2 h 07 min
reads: 6 h 51 min
